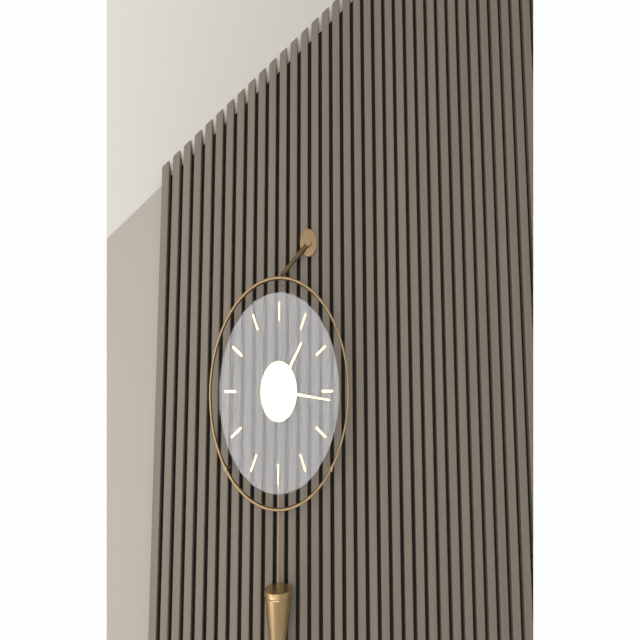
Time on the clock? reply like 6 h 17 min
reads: 1 h 16 min
